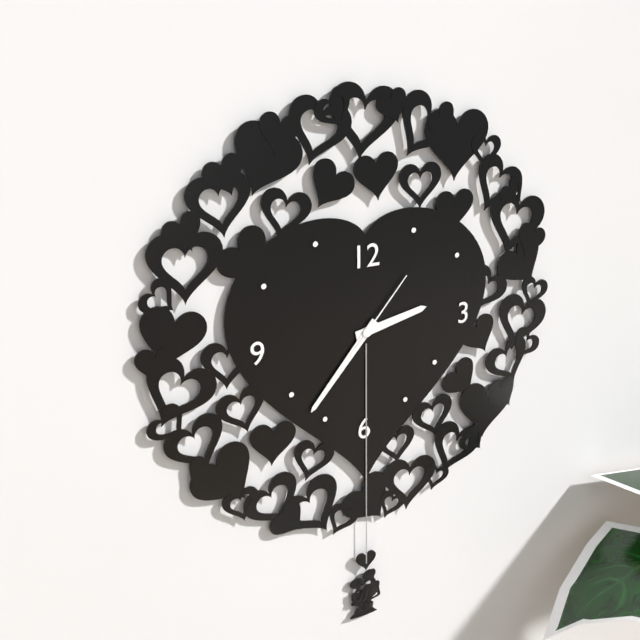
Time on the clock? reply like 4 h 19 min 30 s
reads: 2 h 37 min 07 s
